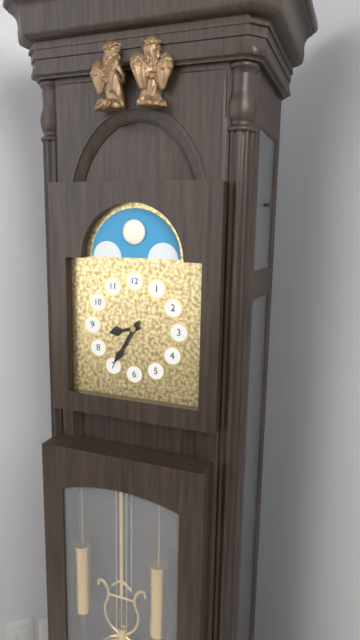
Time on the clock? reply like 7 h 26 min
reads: 8 h 35 min
